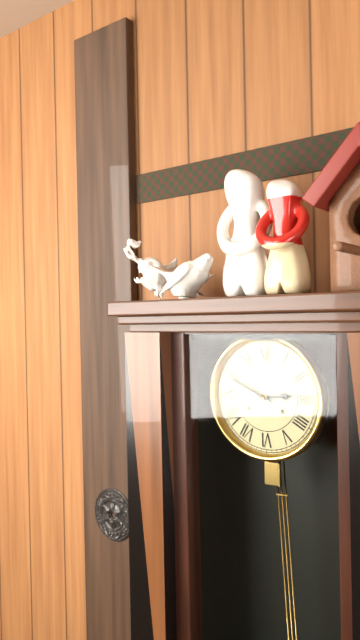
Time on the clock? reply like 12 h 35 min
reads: 2 h 49 min
